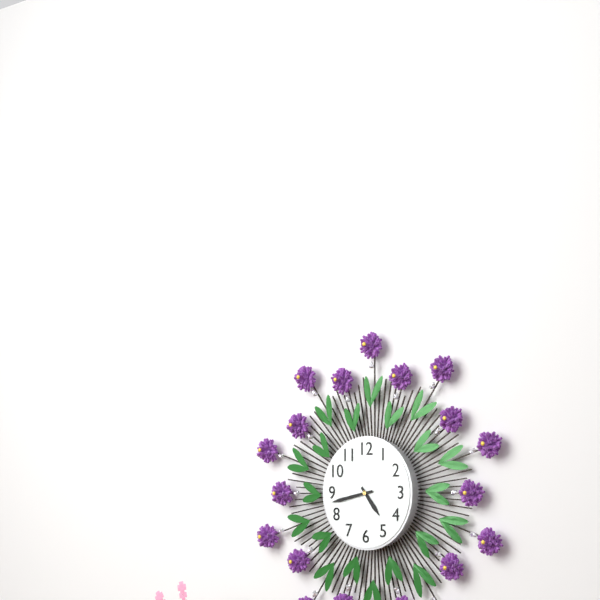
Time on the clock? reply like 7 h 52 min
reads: 4 h 43 min
